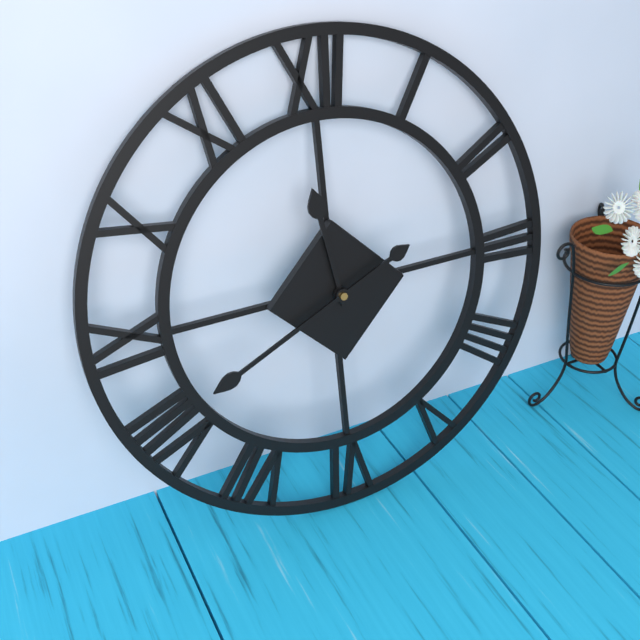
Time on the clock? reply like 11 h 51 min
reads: 11 h 41 min
